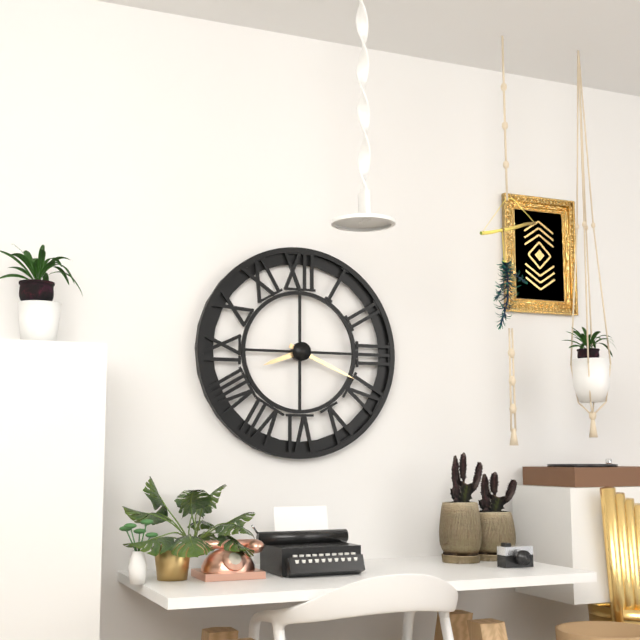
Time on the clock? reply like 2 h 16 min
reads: 8 h 19 min
